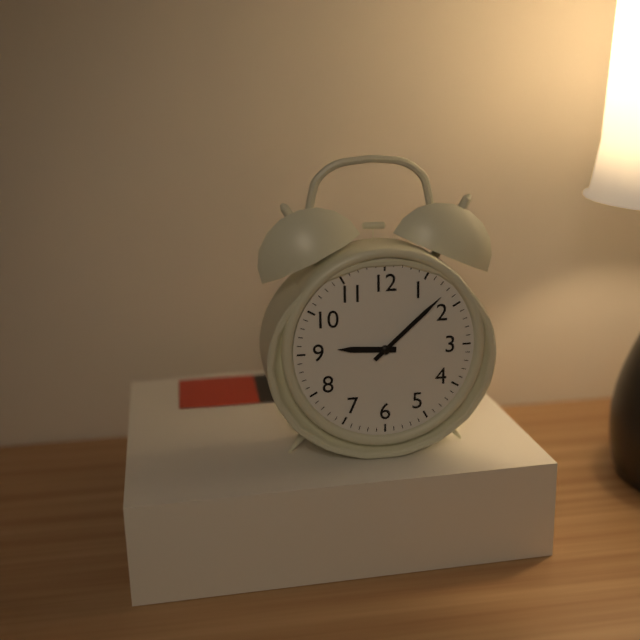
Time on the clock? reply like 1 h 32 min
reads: 9 h 08 min
